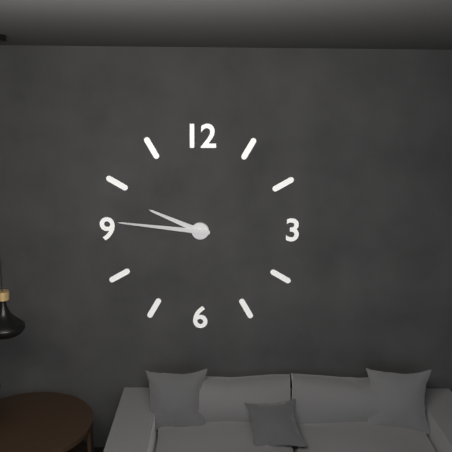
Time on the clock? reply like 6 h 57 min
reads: 9 h 46 min
